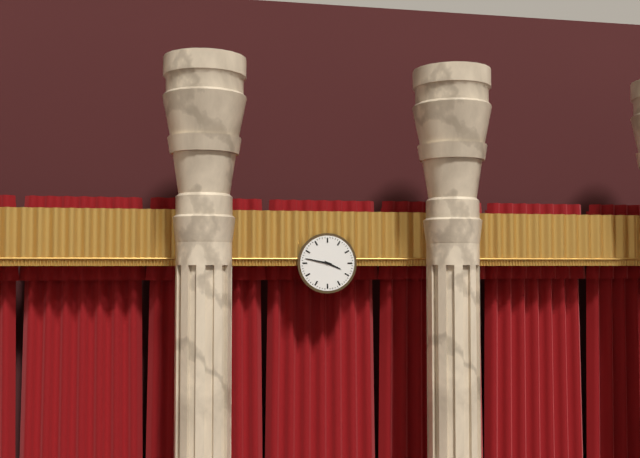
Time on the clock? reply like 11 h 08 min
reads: 3 h 47 min
